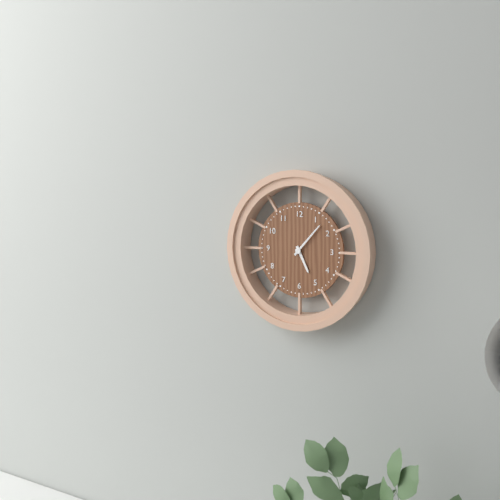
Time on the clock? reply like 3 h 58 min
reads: 5 h 07 min
